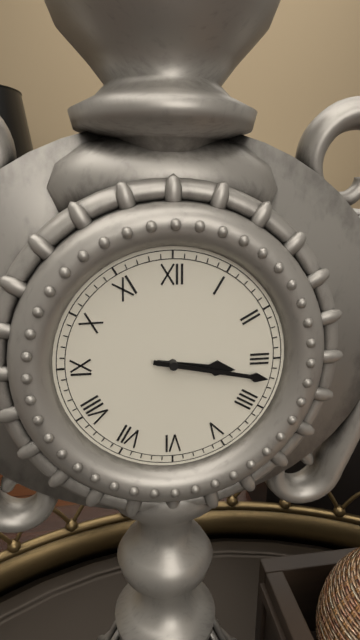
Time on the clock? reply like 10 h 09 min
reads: 3 h 17 min
